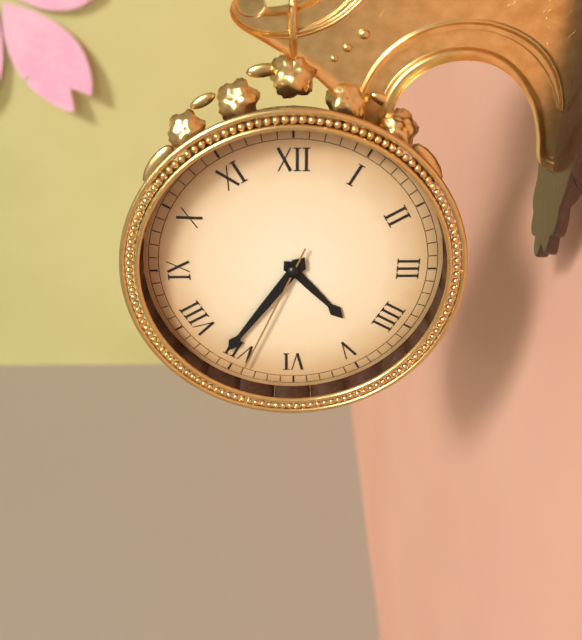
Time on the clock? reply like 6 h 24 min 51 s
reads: 4 h 36 min 34 s
